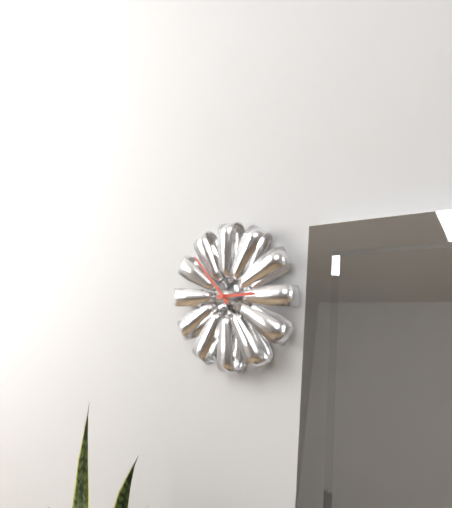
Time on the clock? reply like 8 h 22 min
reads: 2 h 53 min
